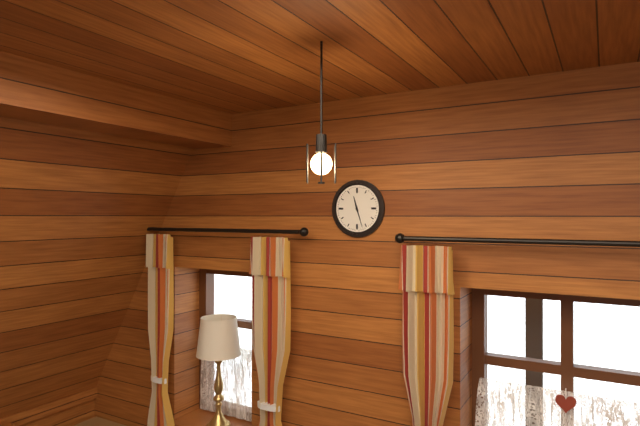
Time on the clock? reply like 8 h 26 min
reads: 11 h 27 min
